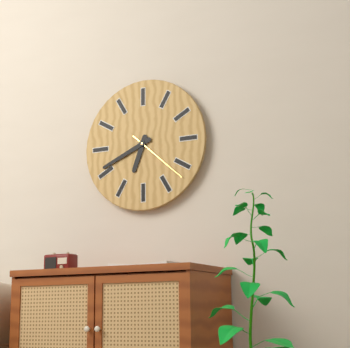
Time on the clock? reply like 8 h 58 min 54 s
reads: 6 h 41 min 22 s
